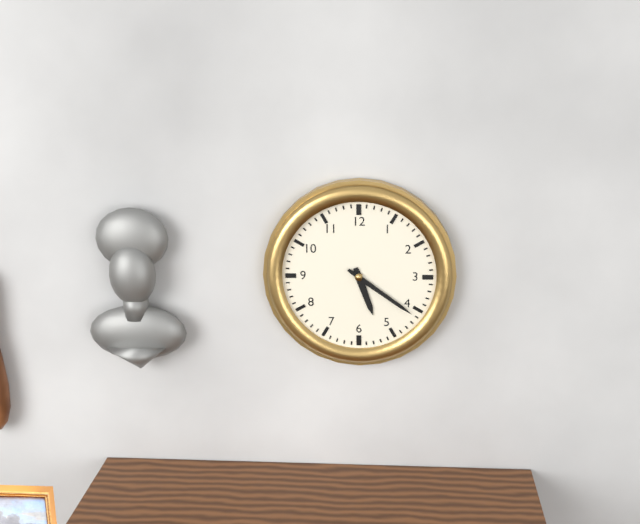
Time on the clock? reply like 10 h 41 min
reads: 5 h 21 min
